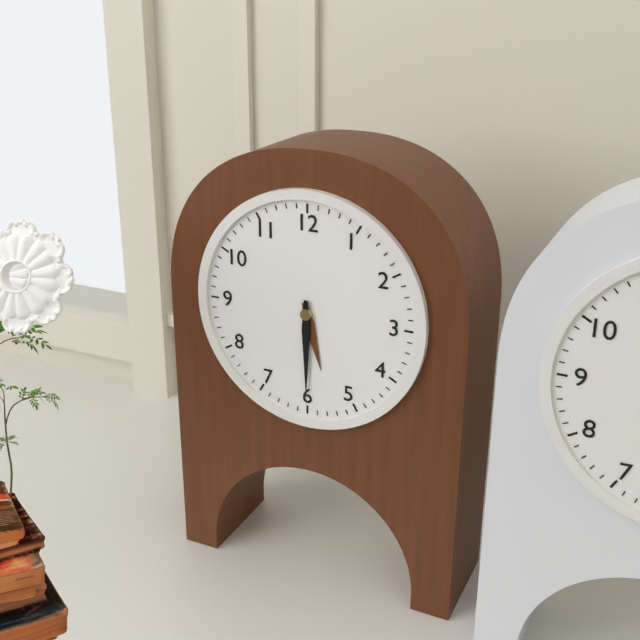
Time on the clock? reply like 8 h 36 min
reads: 5 h 30 min
